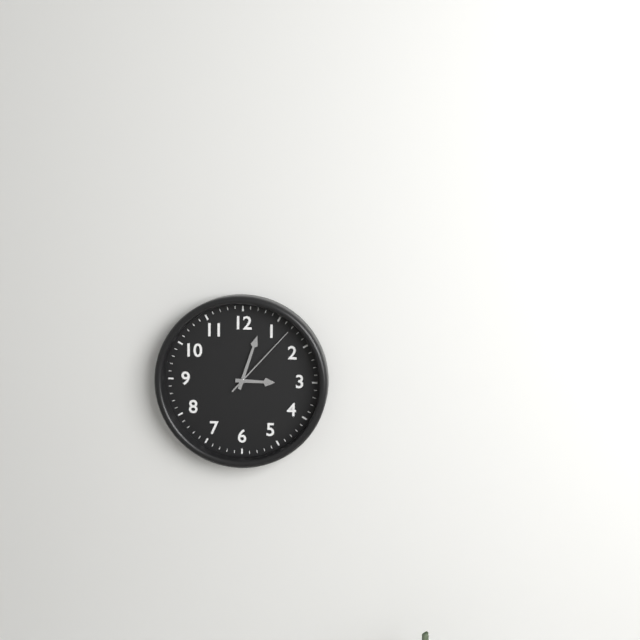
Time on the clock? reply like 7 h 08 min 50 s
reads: 3 h 03 min 07 s
